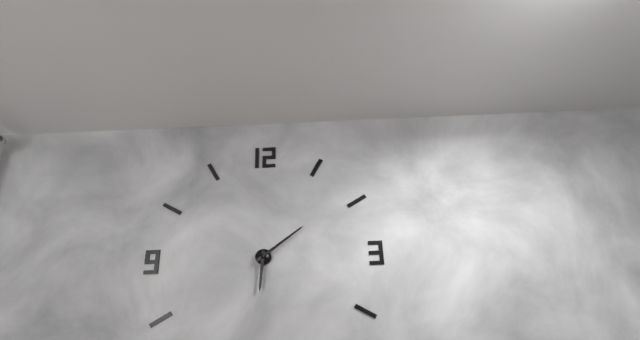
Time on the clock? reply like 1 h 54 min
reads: 6 h 09 min
